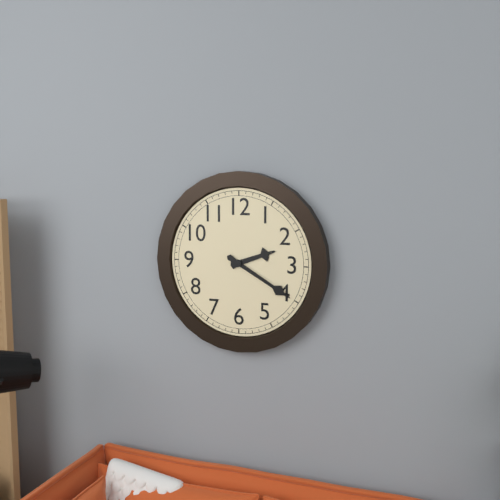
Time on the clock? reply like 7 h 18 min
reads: 2 h 20 min
